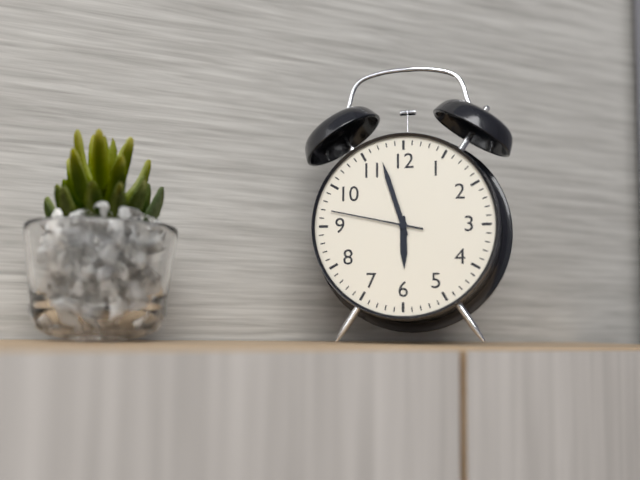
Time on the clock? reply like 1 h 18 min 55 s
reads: 5 h 57 min 47 s
